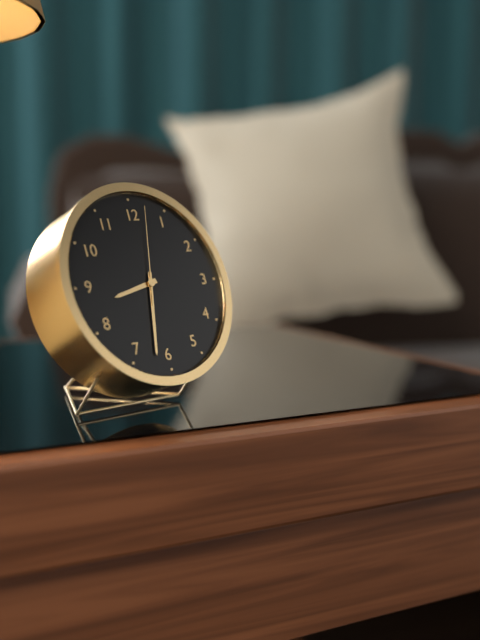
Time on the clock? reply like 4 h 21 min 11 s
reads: 8 h 32 min 02 s
